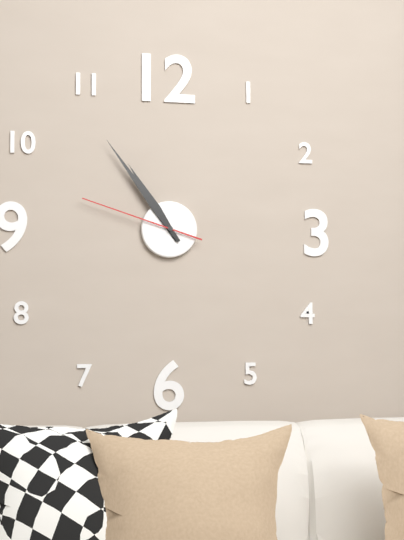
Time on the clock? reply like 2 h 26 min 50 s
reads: 10 h 54 min 48 s
